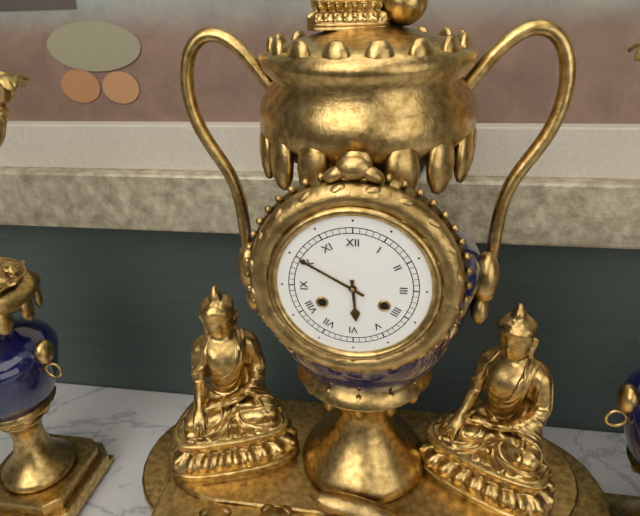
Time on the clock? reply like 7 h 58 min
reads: 5 h 50 min
